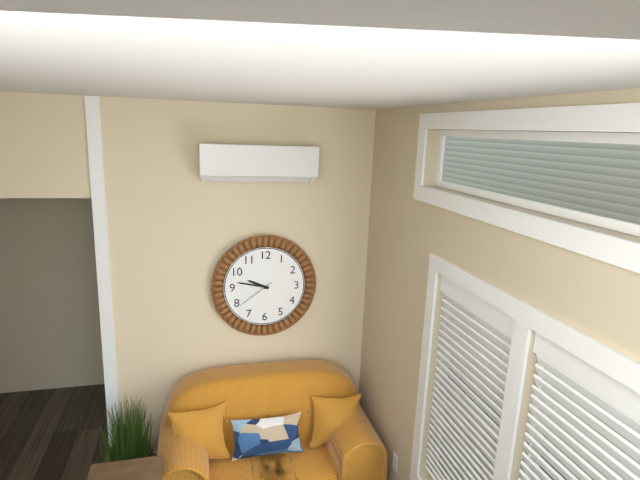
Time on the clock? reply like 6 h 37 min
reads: 9 h 47 min
